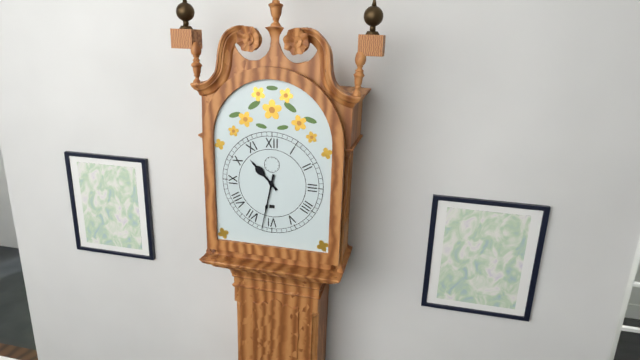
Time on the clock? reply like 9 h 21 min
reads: 10 h 32 min
